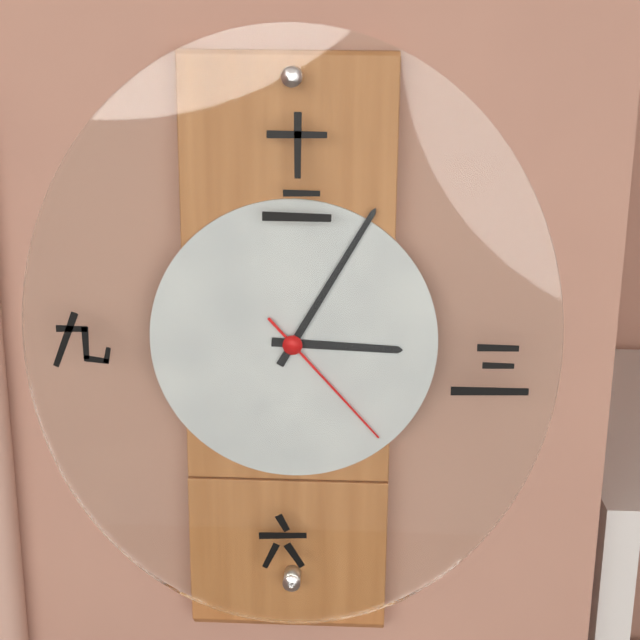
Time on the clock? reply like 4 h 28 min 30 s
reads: 3 h 05 min 23 s
